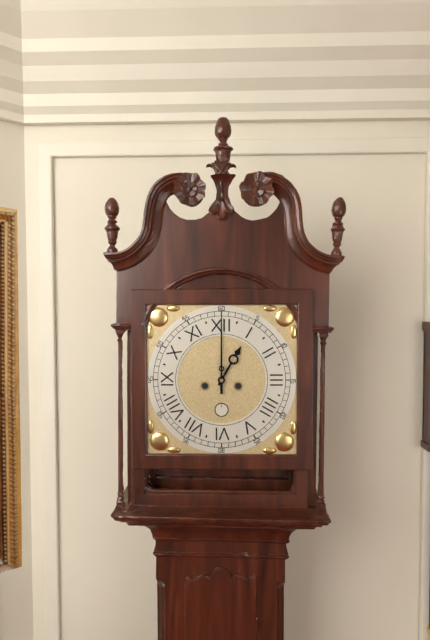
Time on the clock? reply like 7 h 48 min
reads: 1 h 00 min
